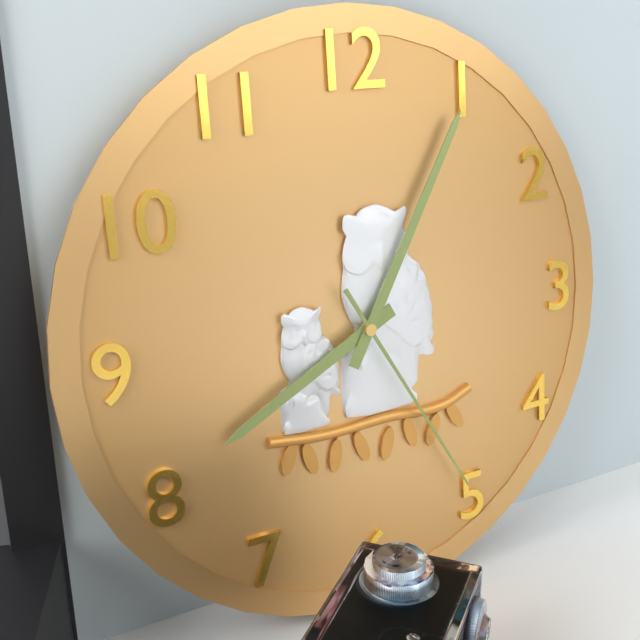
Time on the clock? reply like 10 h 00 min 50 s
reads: 8 h 05 min 25 s
